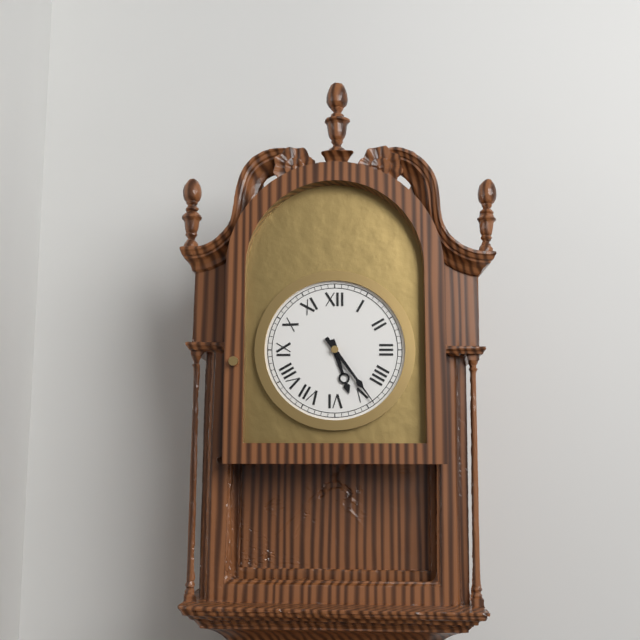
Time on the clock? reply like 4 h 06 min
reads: 5 h 24 min
